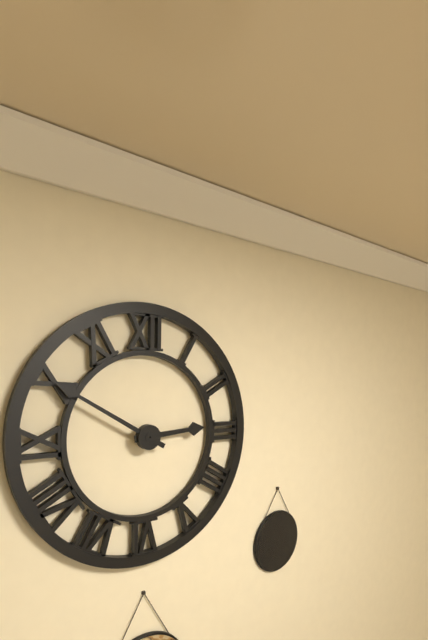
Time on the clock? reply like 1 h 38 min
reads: 2 h 50 min
